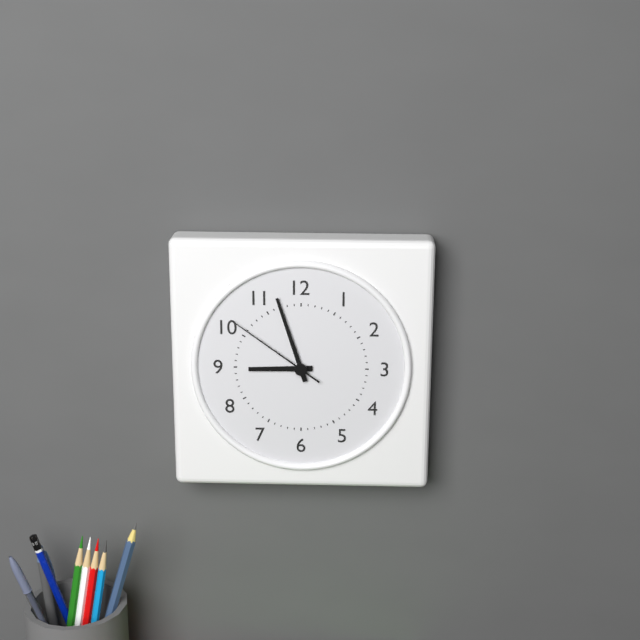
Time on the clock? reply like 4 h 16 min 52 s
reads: 8 h 57 min 51 s
